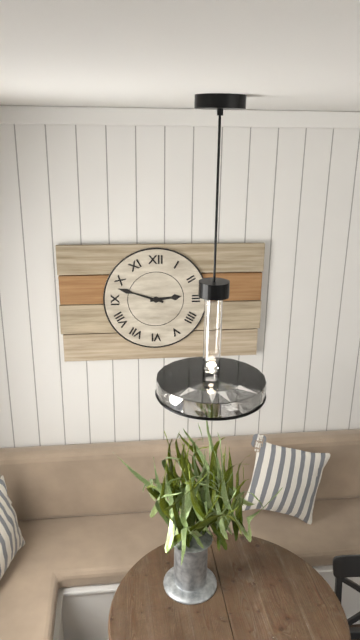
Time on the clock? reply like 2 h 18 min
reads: 2 h 48 min
